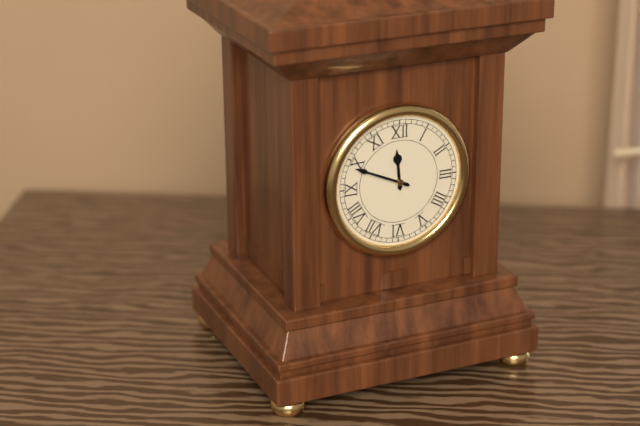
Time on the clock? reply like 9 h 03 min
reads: 11 h 49 min
